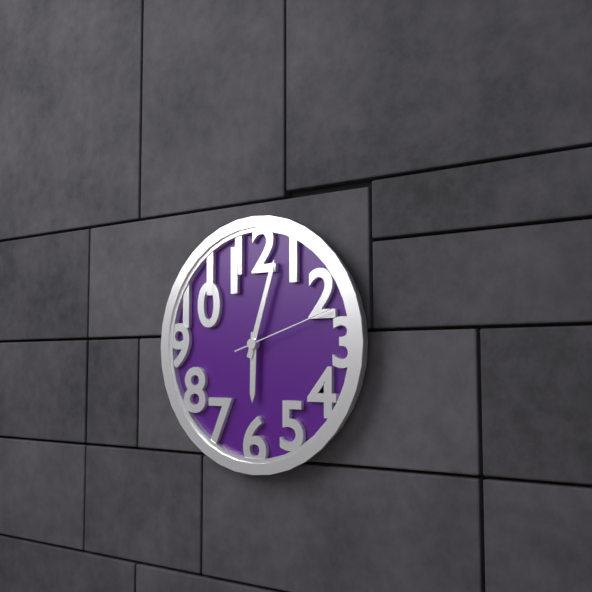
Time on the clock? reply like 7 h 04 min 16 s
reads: 6 h 03 min 12 s
